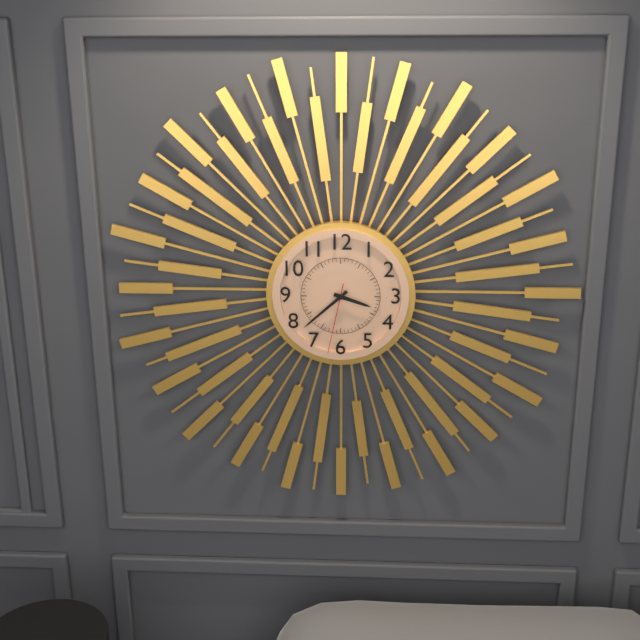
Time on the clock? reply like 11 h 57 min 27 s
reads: 3 h 38 min 32 s
